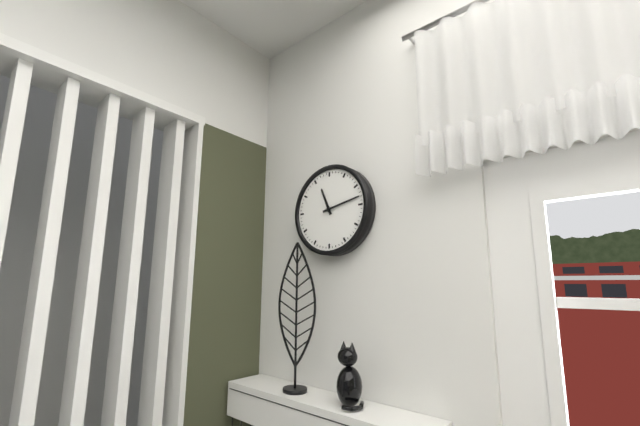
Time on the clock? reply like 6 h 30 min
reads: 11 h 13 min
